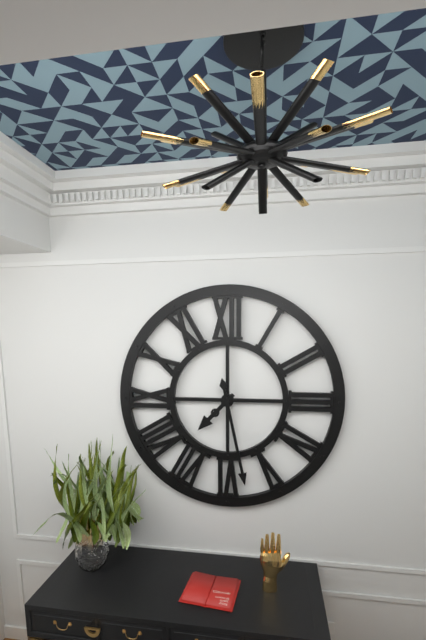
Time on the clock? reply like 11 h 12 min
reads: 7 h 28 min
